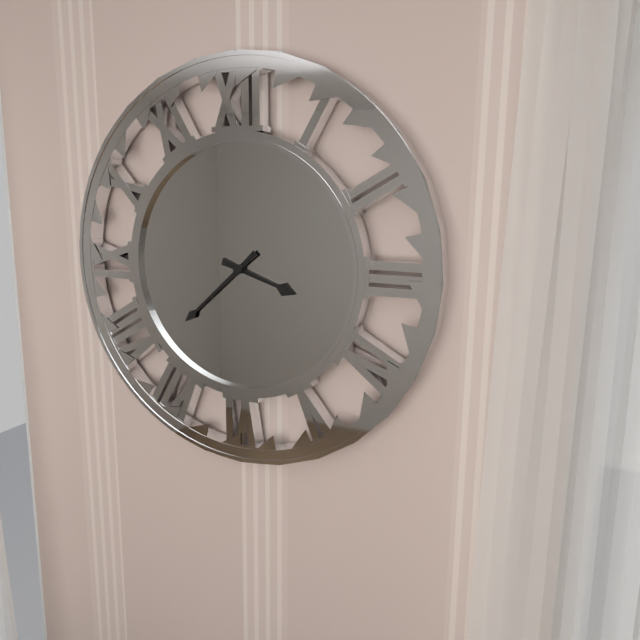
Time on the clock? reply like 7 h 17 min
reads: 3 h 38 min
